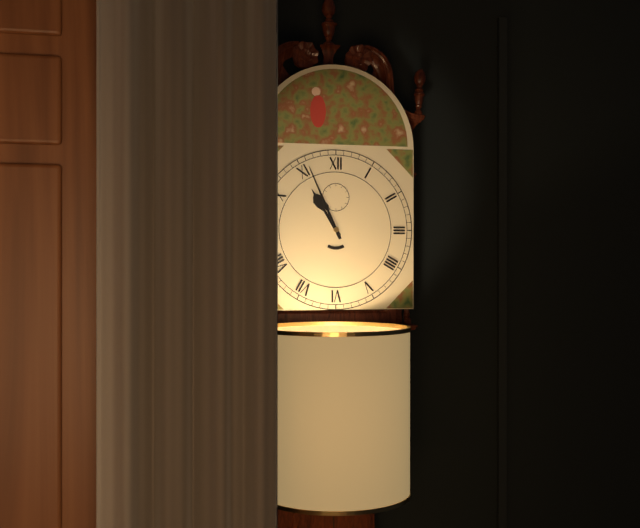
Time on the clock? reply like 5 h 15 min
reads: 10 h 56 min
